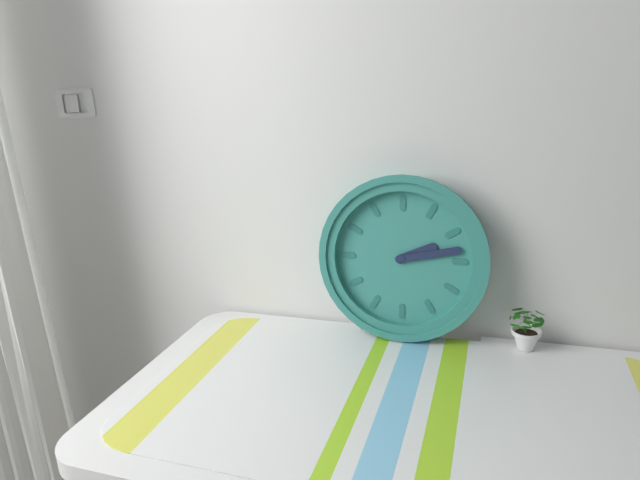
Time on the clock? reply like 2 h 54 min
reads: 2 h 13 min
